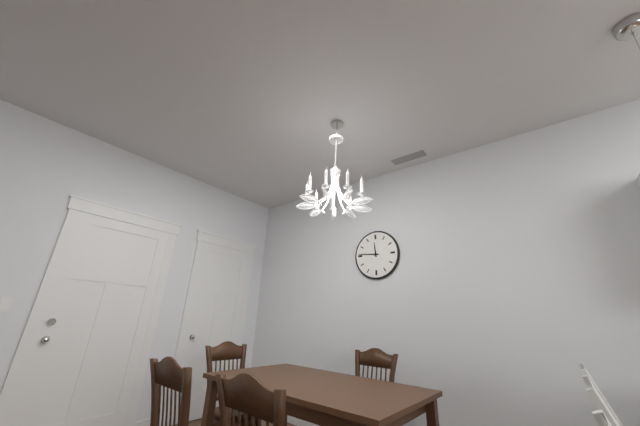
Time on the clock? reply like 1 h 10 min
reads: 11 h 46 min
